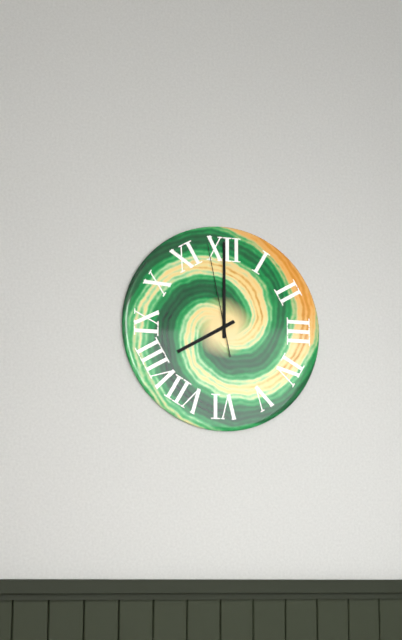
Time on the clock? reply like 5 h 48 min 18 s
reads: 8 h 00 min 58 s
